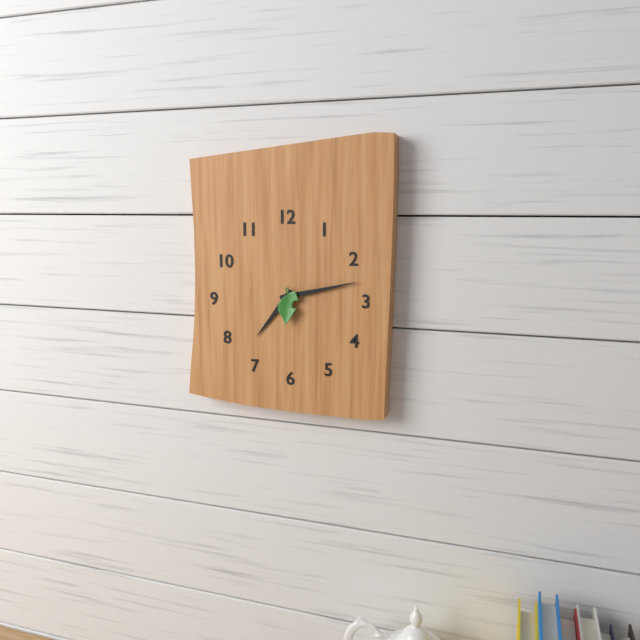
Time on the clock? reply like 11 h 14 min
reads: 7 h 13 min
